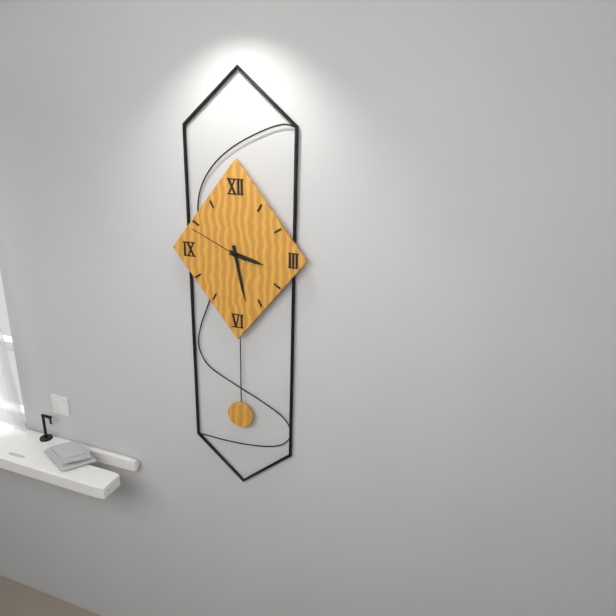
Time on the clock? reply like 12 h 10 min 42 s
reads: 3 h 28 min 49 s
